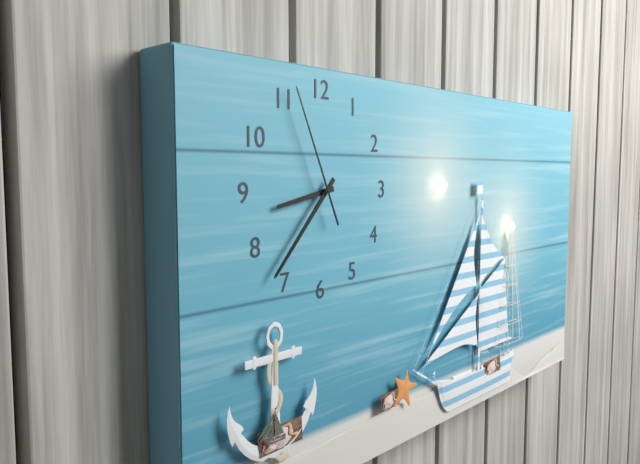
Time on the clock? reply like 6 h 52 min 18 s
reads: 8 h 37 min 56 s
